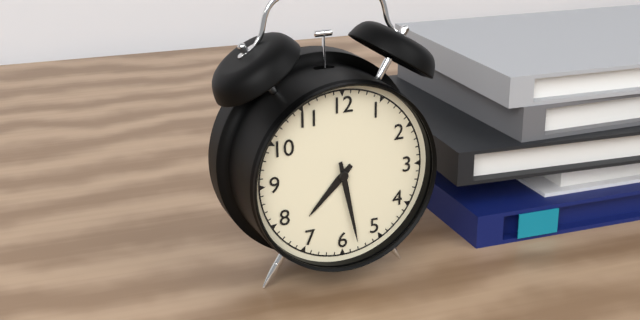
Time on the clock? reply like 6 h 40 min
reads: 7 h 28 min
